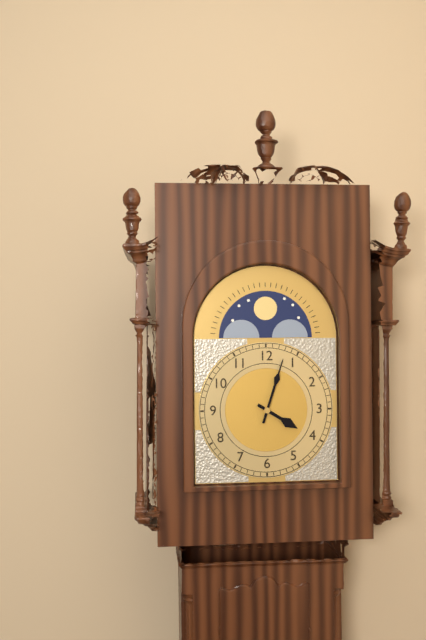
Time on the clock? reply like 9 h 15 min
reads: 4 h 03 min
